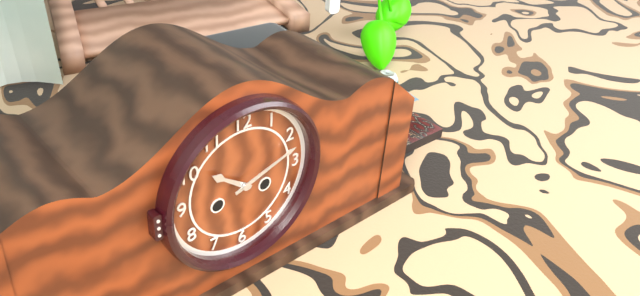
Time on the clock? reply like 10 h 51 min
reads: 10 h 12 min
